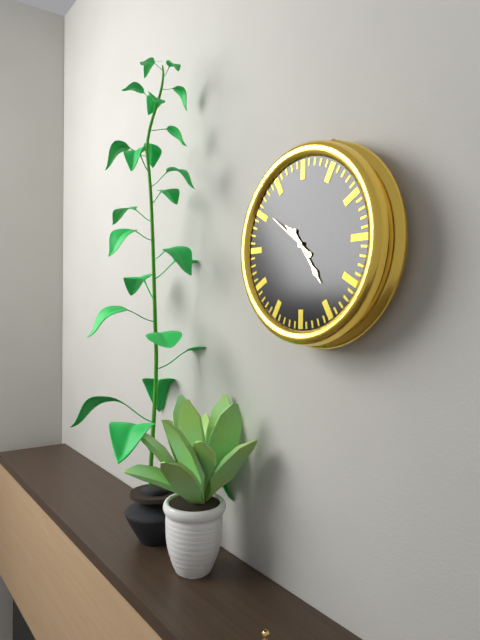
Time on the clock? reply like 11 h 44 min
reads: 10 h 24 min
